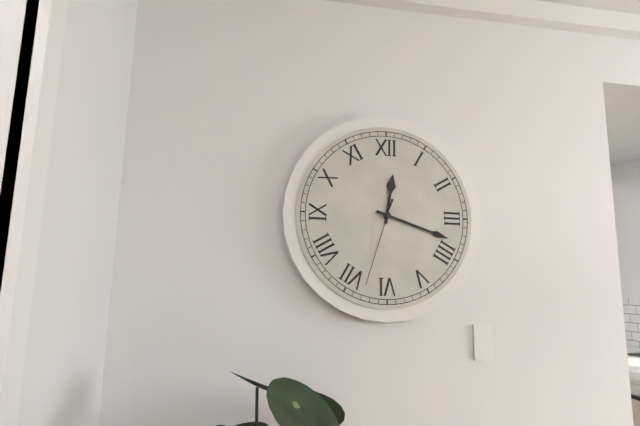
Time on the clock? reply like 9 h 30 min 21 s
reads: 12 h 18 min 33 s
